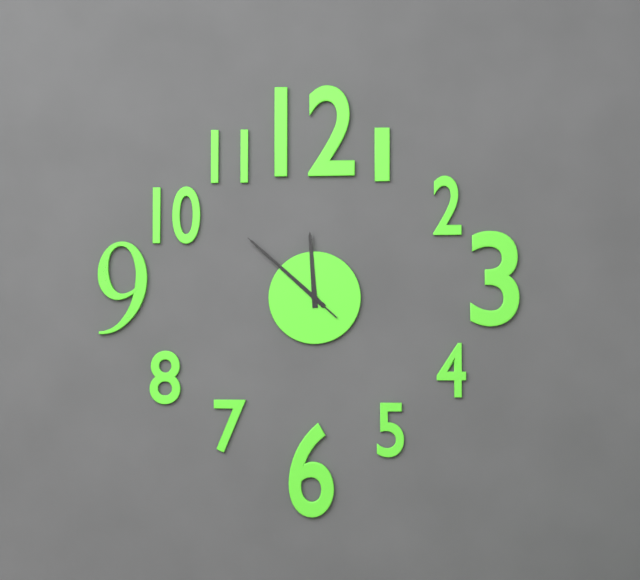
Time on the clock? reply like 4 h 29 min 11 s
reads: 11 h 52 min 52 s
